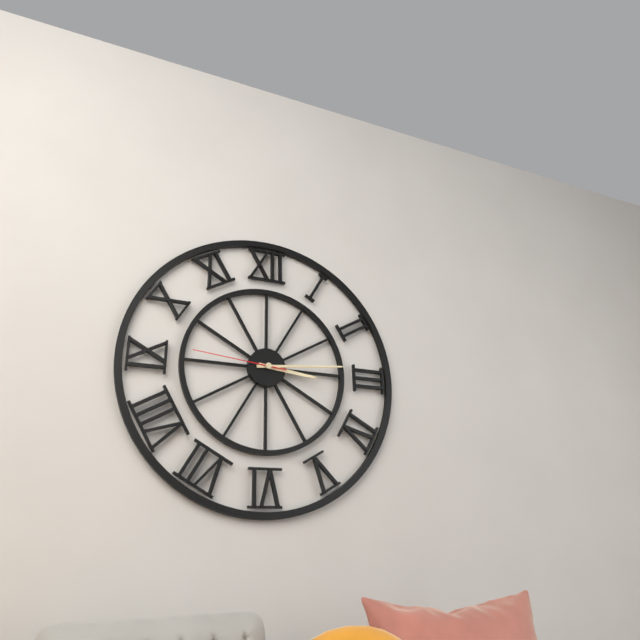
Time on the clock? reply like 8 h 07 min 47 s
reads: 3 h 14 min 46 s
